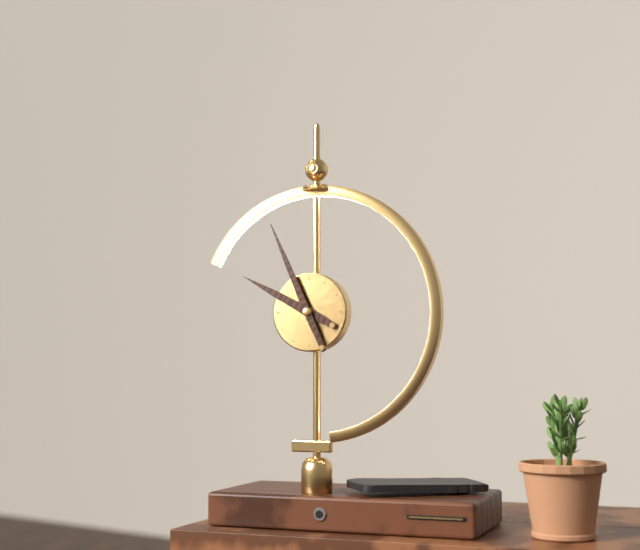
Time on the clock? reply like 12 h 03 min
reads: 9 h 56 min
